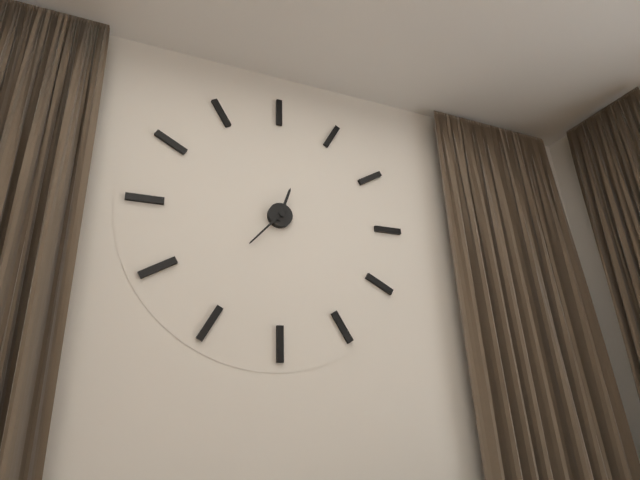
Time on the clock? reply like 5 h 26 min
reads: 12 h 37 min
